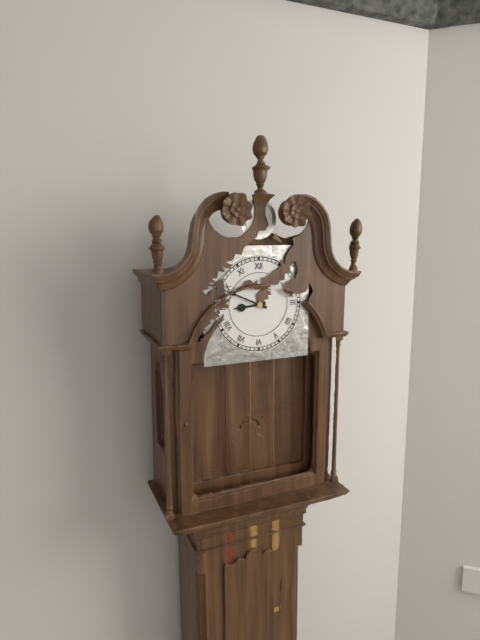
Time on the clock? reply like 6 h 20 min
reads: 8 h 49 min
